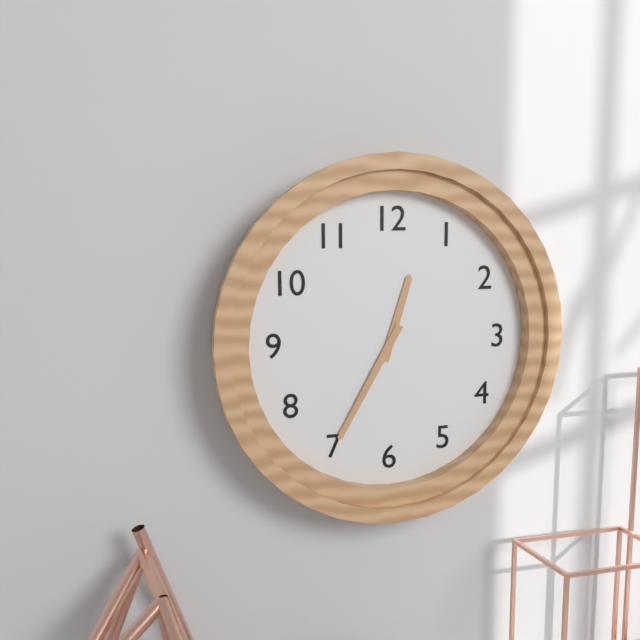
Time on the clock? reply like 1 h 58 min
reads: 12 h 35 min
